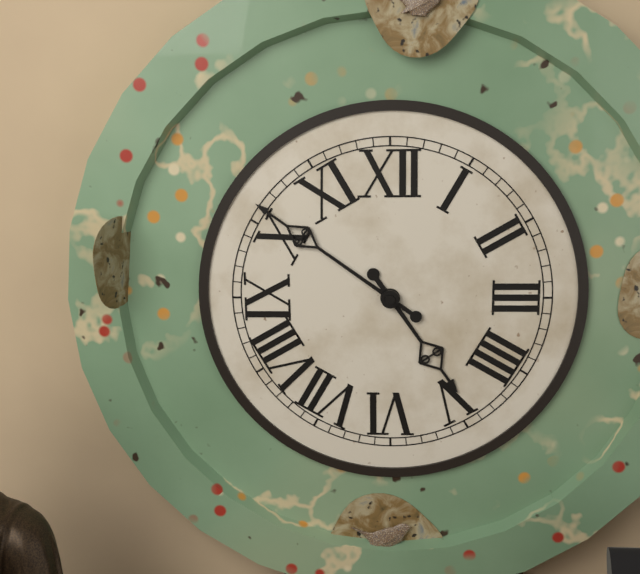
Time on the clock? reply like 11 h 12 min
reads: 4 h 51 min
